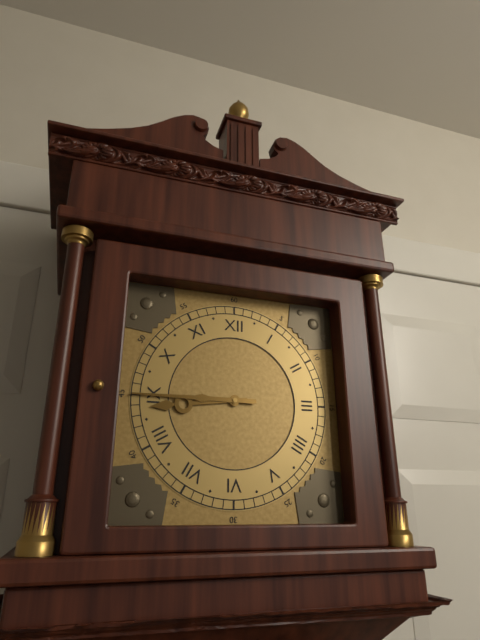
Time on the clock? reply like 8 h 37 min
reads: 8 h 45 min
